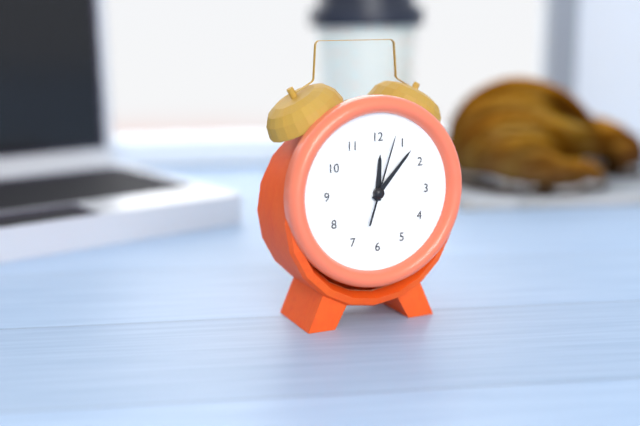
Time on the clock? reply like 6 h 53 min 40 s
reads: 12 h 07 min 03 s
